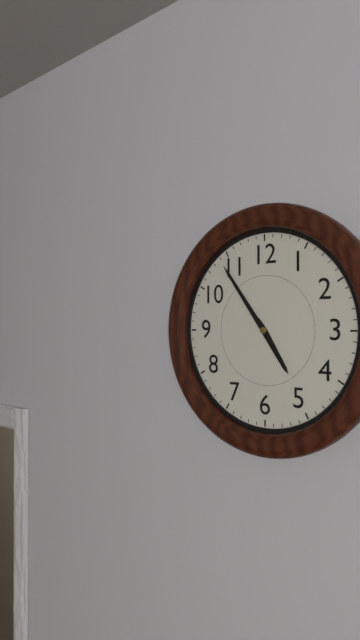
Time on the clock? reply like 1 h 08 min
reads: 4 h 54 min
